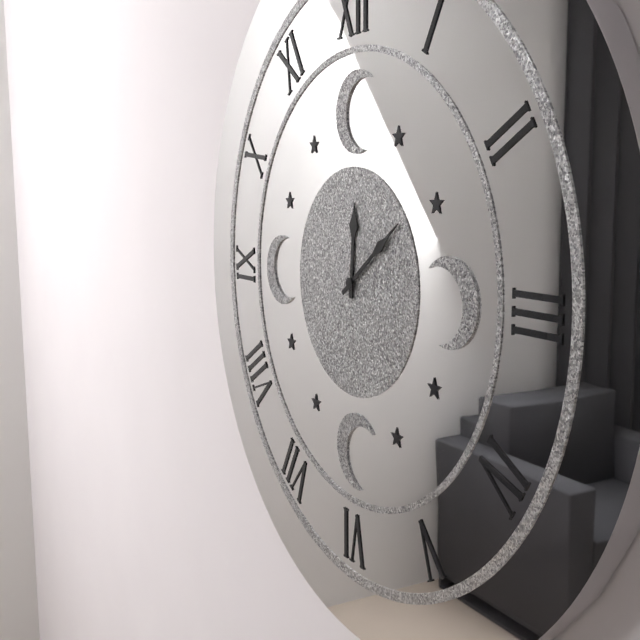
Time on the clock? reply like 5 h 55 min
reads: 12 h 09 min
